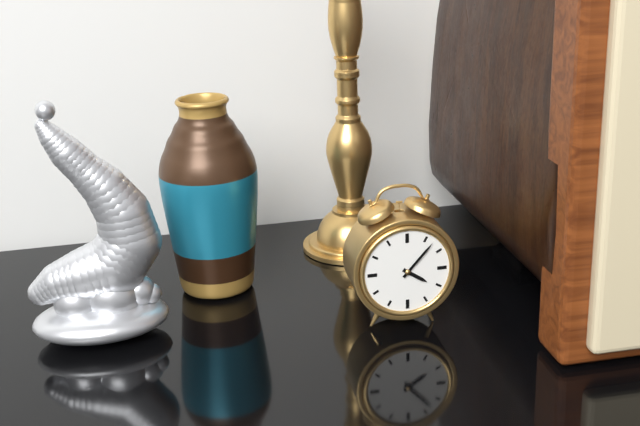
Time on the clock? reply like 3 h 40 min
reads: 4 h 07 min
